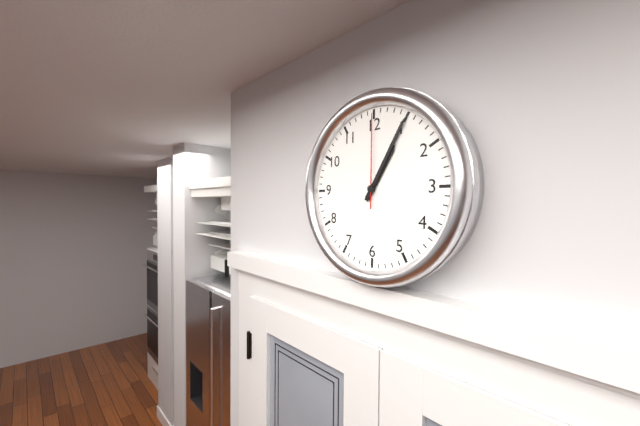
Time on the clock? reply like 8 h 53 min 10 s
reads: 1 h 05 min 00 s
